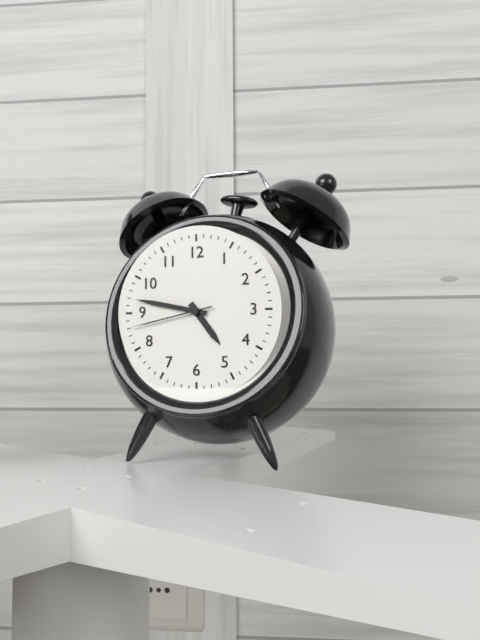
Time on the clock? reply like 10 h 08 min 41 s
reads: 4 h 47 min 43 s
